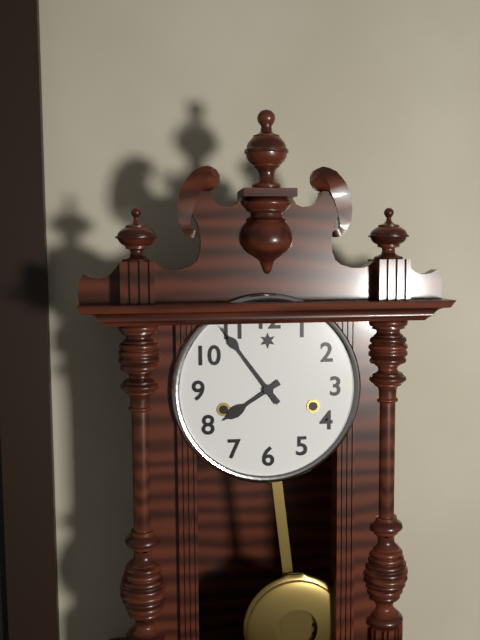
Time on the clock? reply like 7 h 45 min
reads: 7 h 54 min
